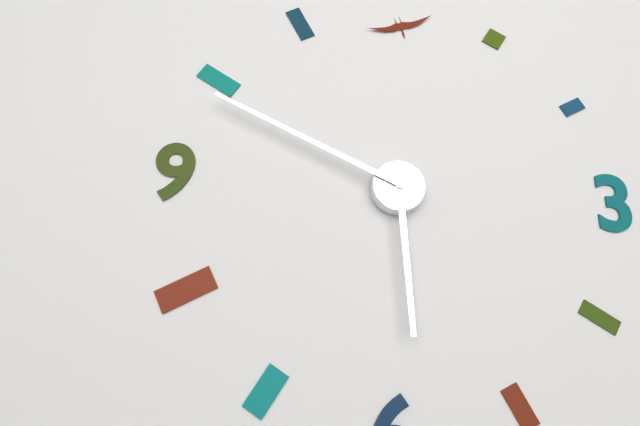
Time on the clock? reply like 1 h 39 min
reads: 5 h 49 min
